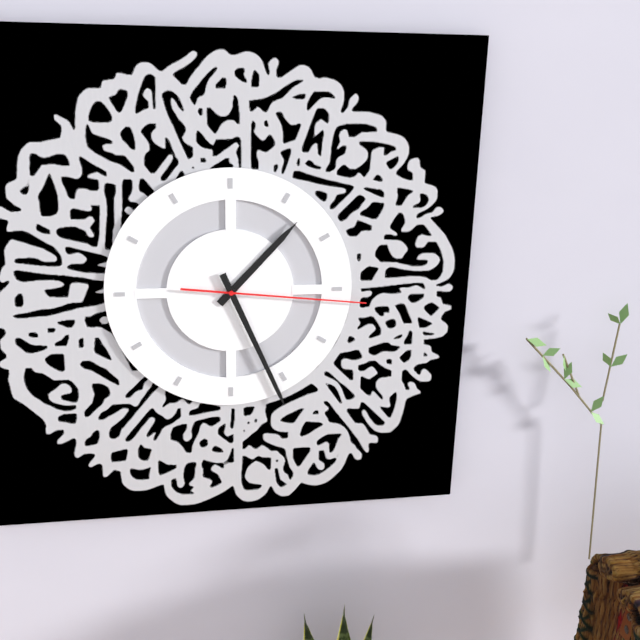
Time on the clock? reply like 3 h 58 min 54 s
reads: 1 h 26 min 16 s
